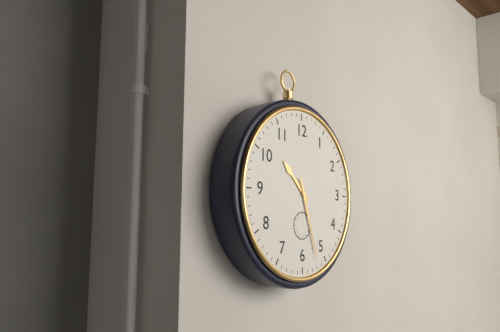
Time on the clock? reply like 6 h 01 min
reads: 10 h 27 min
